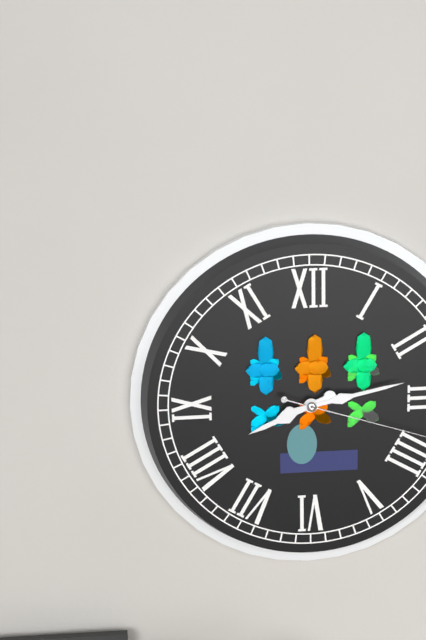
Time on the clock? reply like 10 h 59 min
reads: 8 h 13 min
